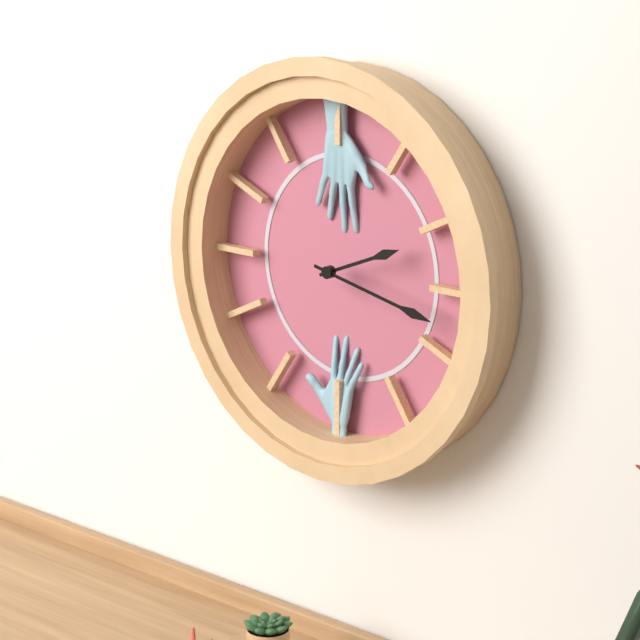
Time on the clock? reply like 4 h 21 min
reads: 2 h 17 min
